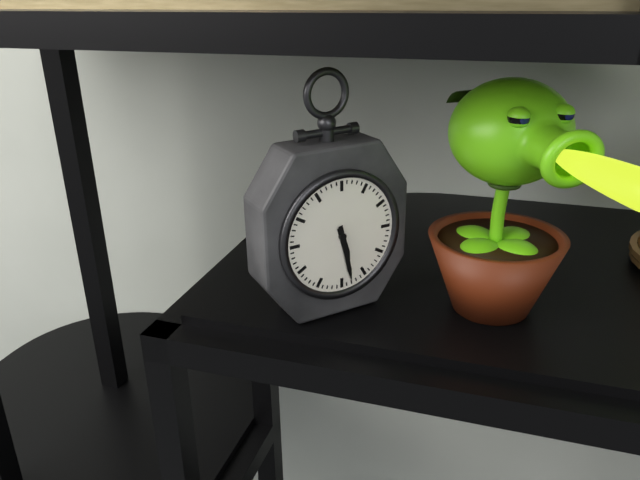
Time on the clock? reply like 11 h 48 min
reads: 5 h 28 min
